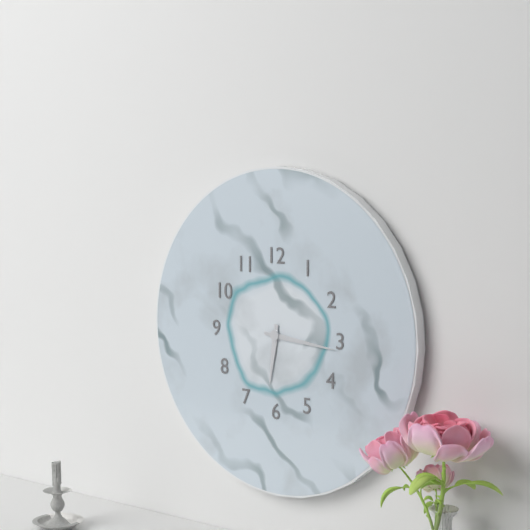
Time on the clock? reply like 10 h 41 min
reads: 6 h 16 min
